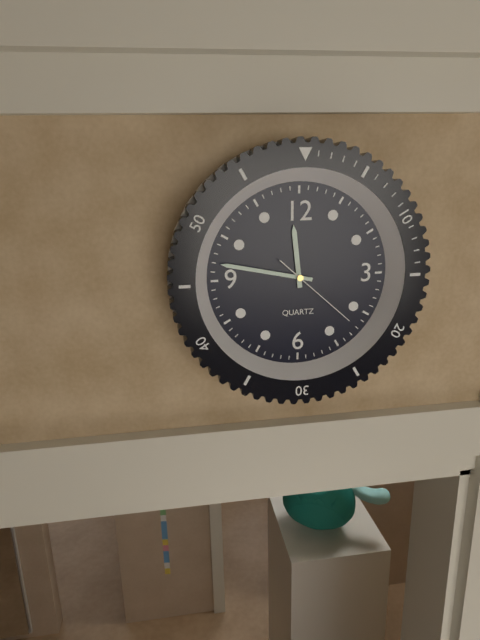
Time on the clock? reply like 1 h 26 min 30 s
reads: 11 h 47 min 22 s
